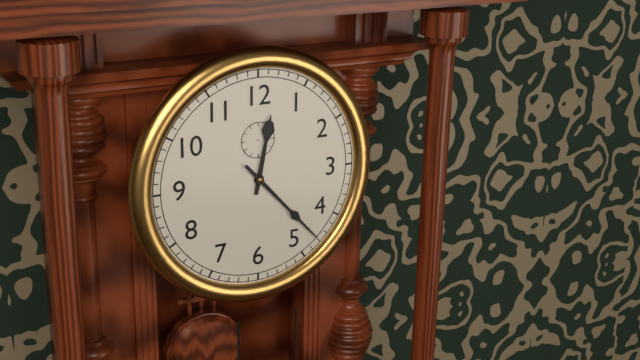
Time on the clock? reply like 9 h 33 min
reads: 12 h 23 min
